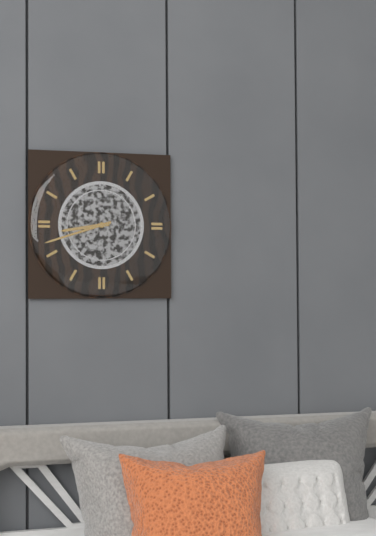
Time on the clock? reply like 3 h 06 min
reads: 8 h 42 min
